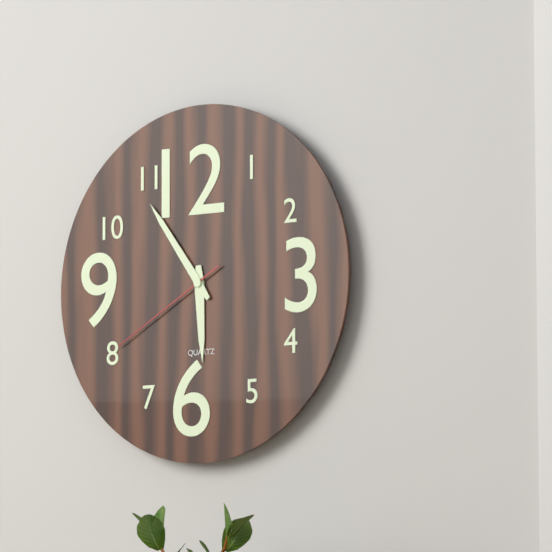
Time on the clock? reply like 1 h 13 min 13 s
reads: 5 h 54 min 40 s
